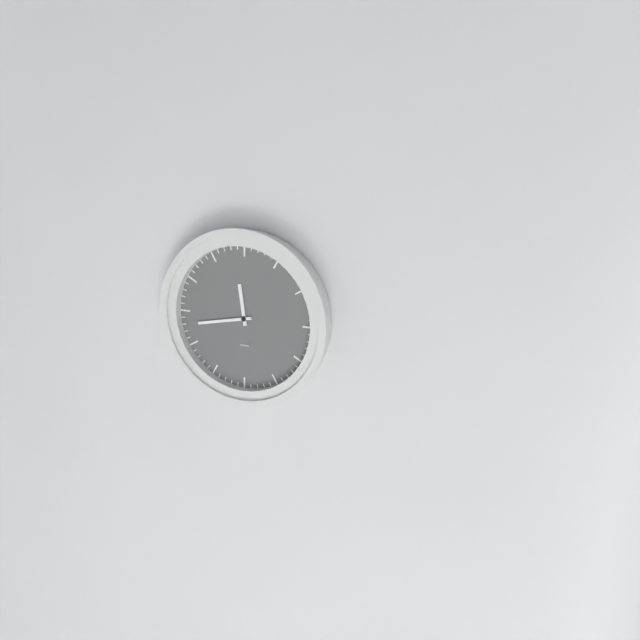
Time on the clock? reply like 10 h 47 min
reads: 11 h 43 min
